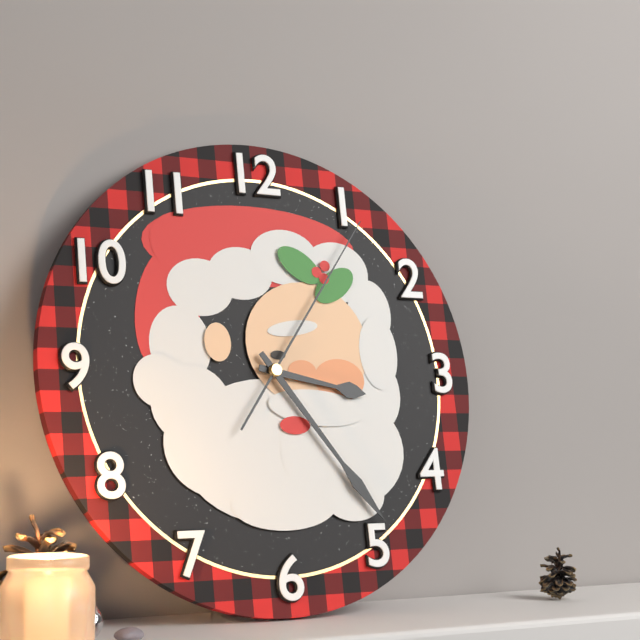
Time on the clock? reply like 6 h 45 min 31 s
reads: 3 h 24 min 06 s
